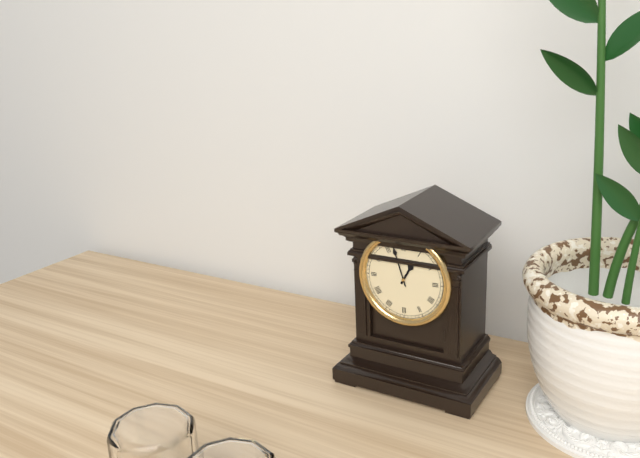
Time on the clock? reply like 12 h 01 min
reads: 12 h 57 min
